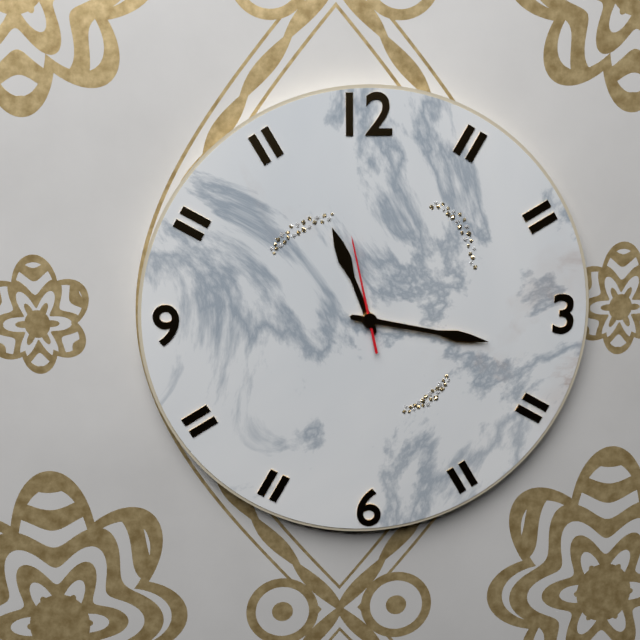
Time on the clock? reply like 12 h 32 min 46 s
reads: 11 h 17 min 58 s
